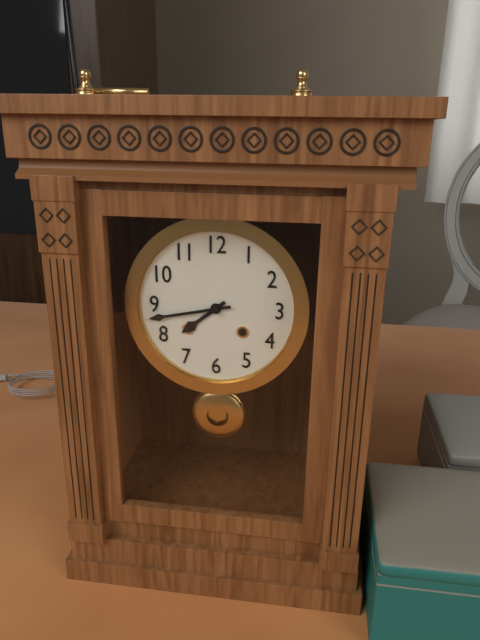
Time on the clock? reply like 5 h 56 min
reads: 7 h 43 min
